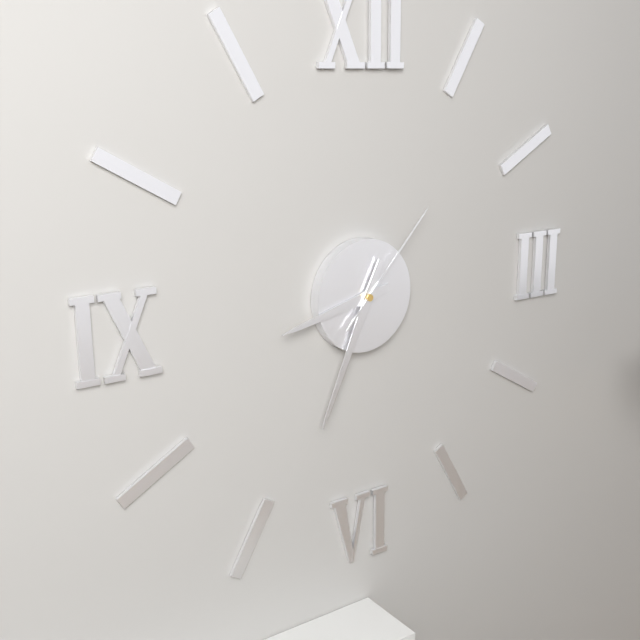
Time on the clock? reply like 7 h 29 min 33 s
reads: 8 h 34 min 07 s
